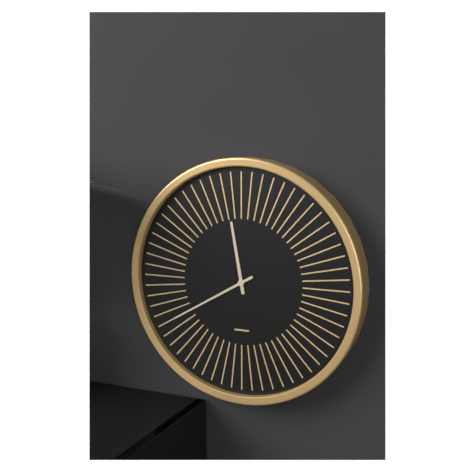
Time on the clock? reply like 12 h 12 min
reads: 11 h 40 min
